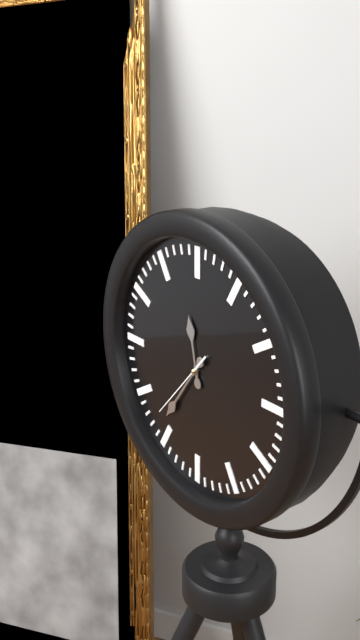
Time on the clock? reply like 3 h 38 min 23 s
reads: 11 h 36 min 37 s
